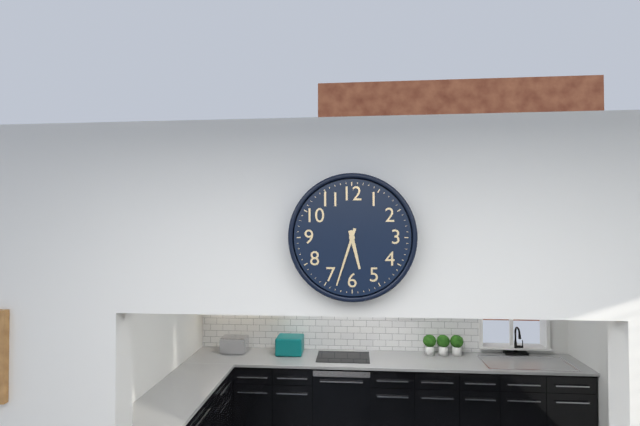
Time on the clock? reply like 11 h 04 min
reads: 5 h 33 min
